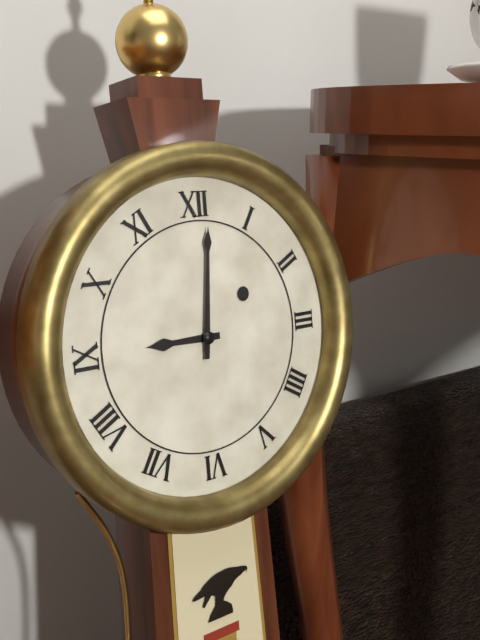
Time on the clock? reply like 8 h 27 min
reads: 9 h 01 min
